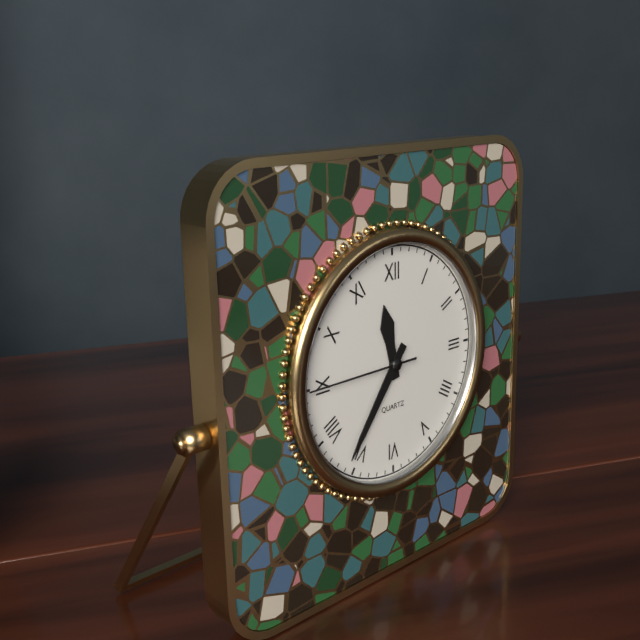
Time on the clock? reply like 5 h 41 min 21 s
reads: 11 h 36 min 45 s
